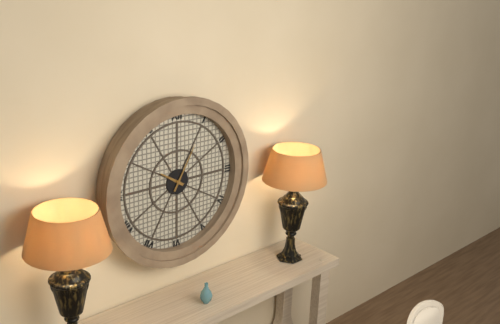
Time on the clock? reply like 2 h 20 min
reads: 10 h 05 min
